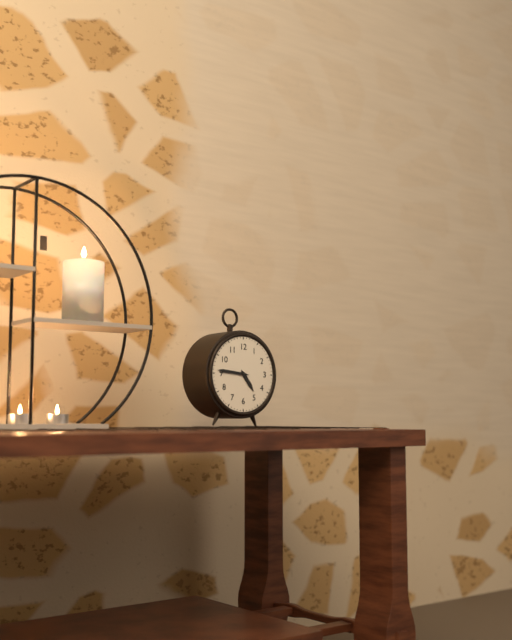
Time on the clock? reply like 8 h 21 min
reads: 4 h 46 min
